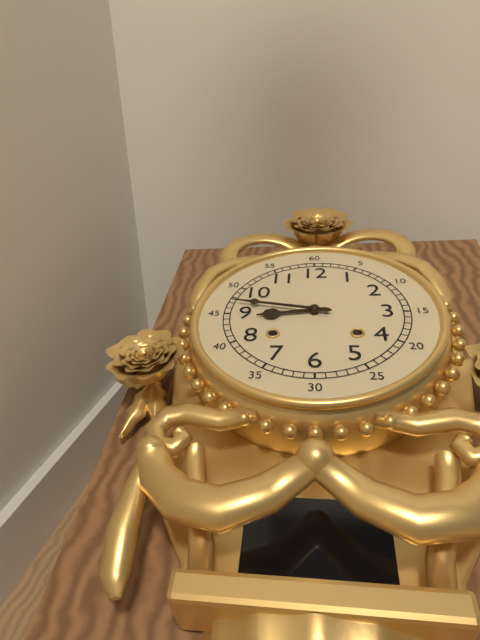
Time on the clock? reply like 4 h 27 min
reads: 8 h 47 min
